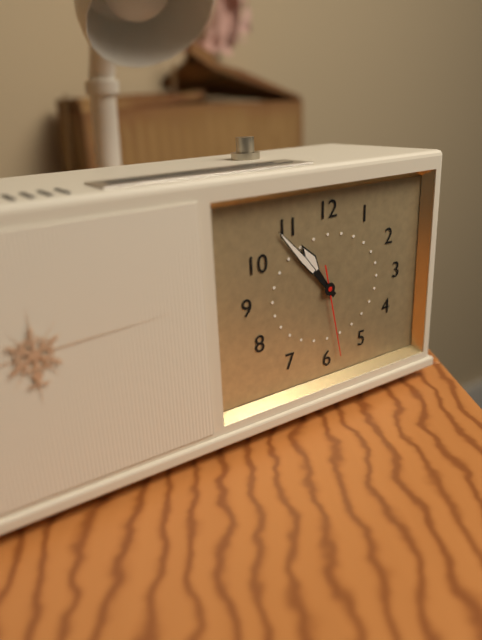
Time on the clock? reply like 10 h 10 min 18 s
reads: 10 h 53 min 28 s
